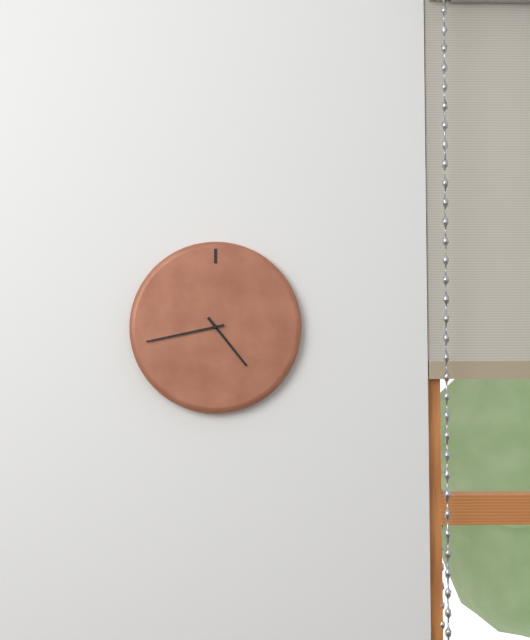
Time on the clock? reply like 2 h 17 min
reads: 4 h 43 min
